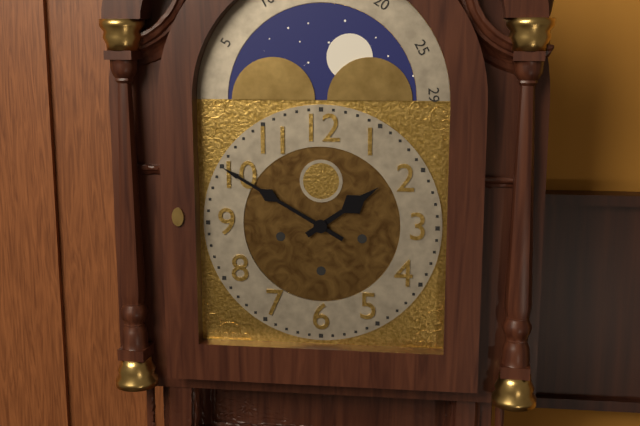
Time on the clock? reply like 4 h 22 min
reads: 1 h 50 min
